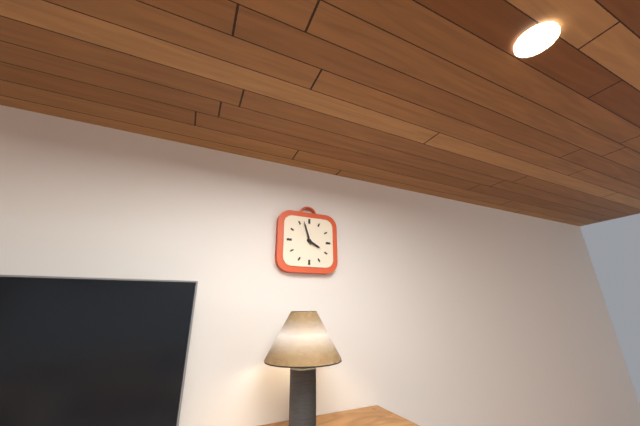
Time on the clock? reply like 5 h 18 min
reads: 3 h 57 min
